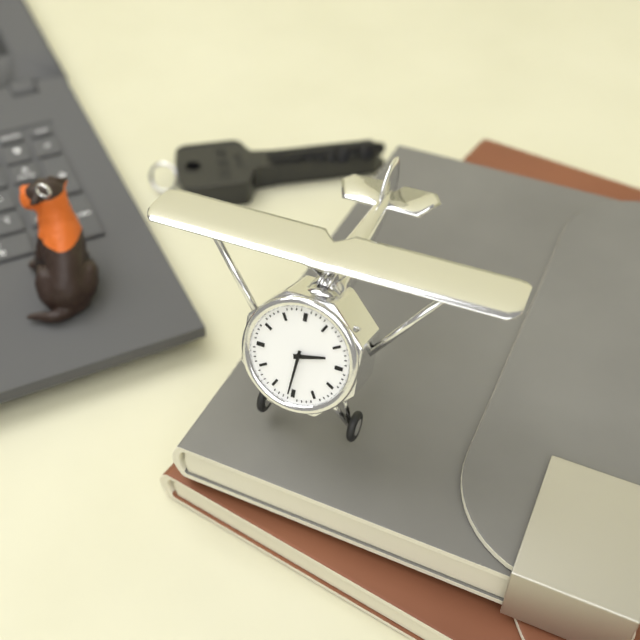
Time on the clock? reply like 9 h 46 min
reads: 2 h 31 min
